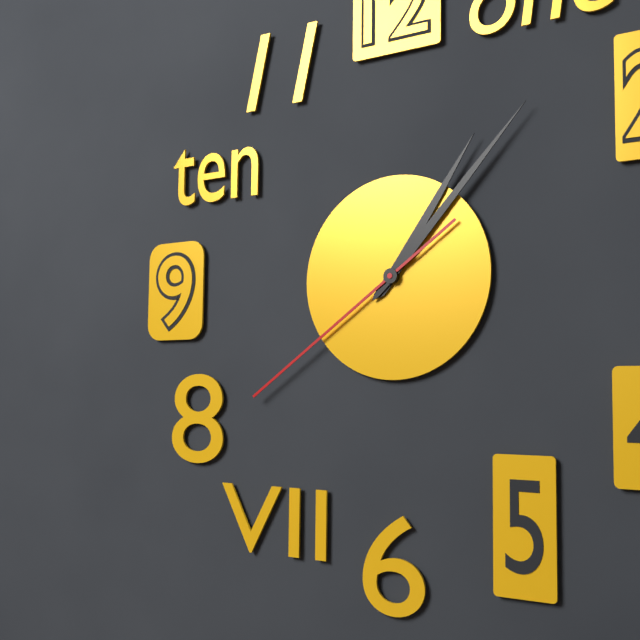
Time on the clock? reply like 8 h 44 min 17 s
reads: 1 h 07 min 39 s
